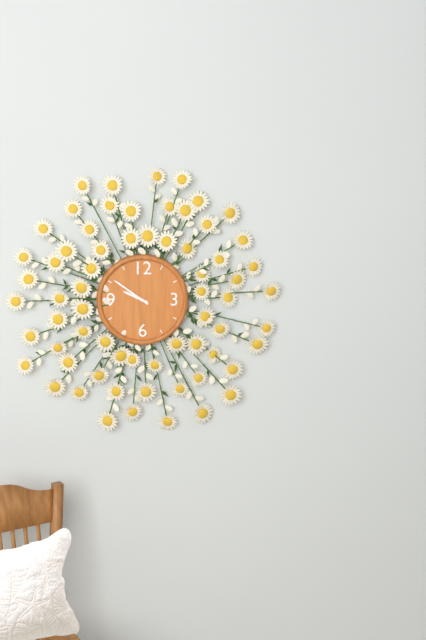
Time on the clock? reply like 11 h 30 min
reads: 9 h 51 min
